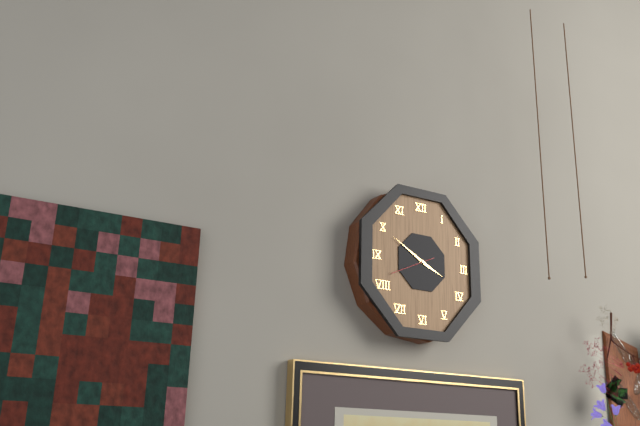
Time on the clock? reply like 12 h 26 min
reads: 3 h 50 min
